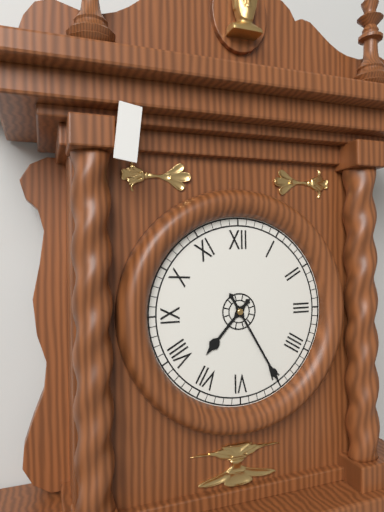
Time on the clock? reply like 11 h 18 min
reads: 7 h 25 min
